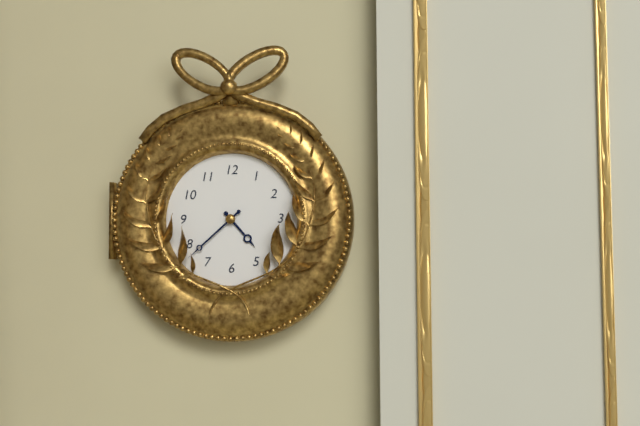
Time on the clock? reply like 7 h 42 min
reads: 4 h 38 min
